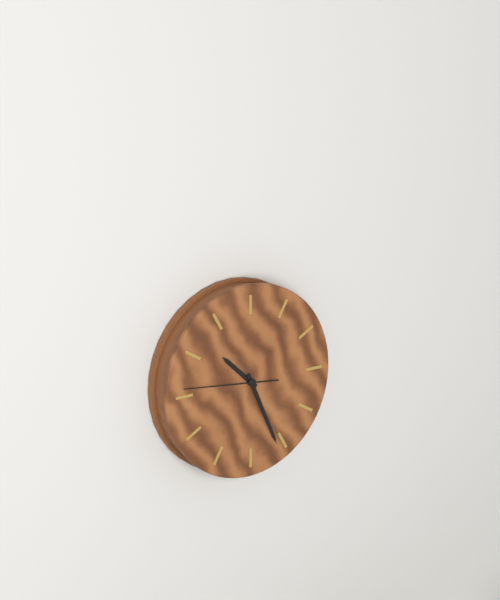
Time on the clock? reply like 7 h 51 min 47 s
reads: 10 h 26 min 46 s
